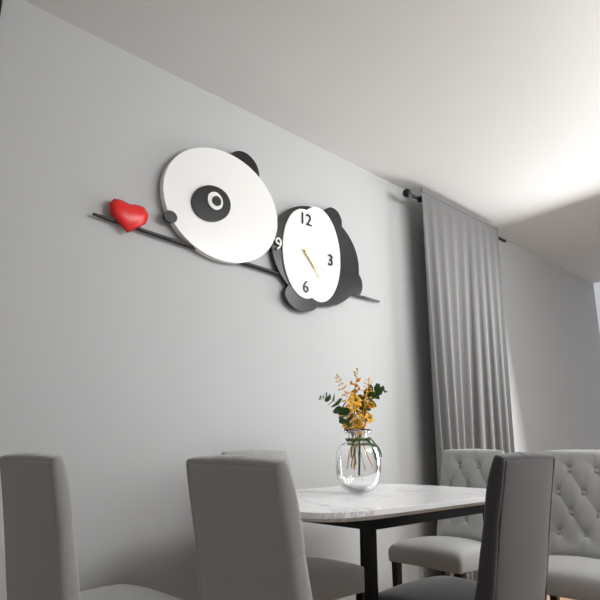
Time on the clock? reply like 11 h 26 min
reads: 4 h 23 min
